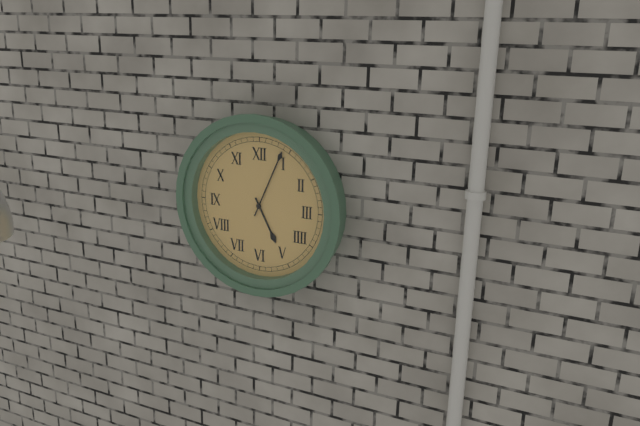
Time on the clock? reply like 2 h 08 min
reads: 5 h 04 min
